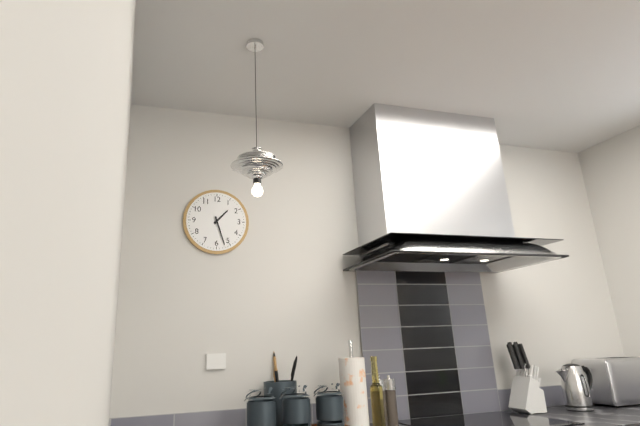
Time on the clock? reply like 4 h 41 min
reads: 1 h 27 min
